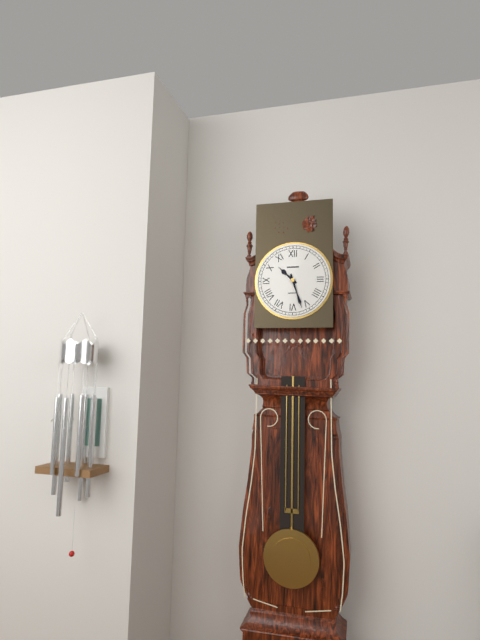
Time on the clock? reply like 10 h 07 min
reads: 10 h 27 min
